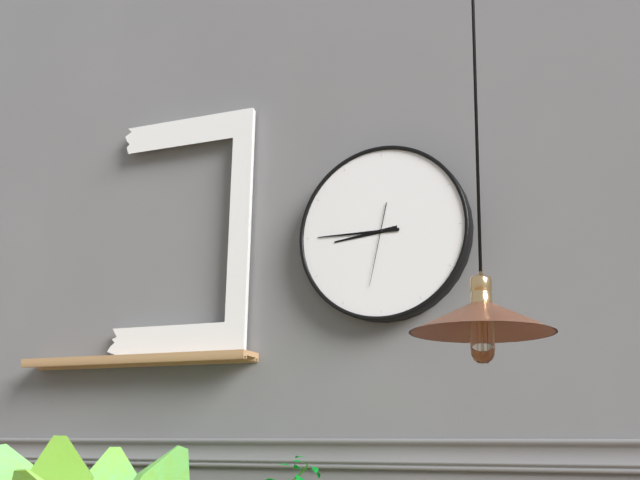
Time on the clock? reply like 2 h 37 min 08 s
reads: 8 h 45 min 32 s
